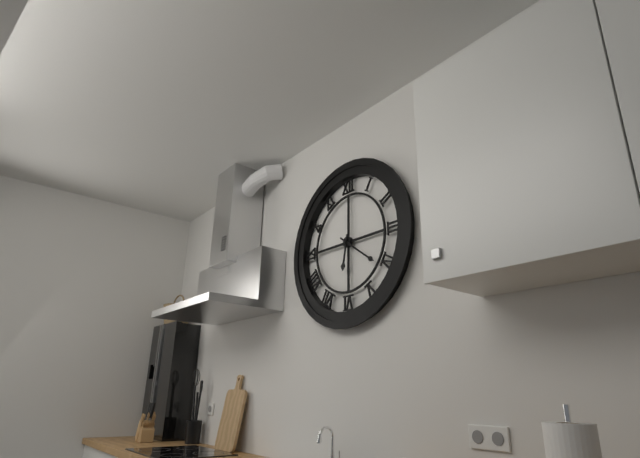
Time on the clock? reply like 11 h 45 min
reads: 6 h 21 min
